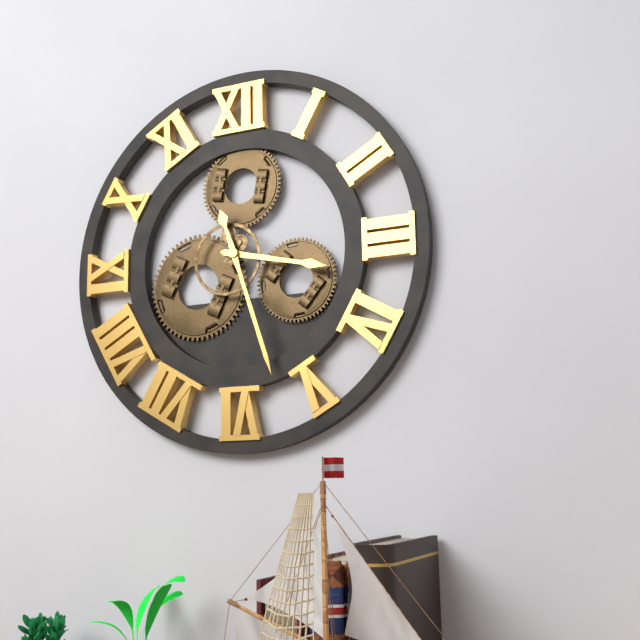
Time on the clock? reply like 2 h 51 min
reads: 3 h 27 min
